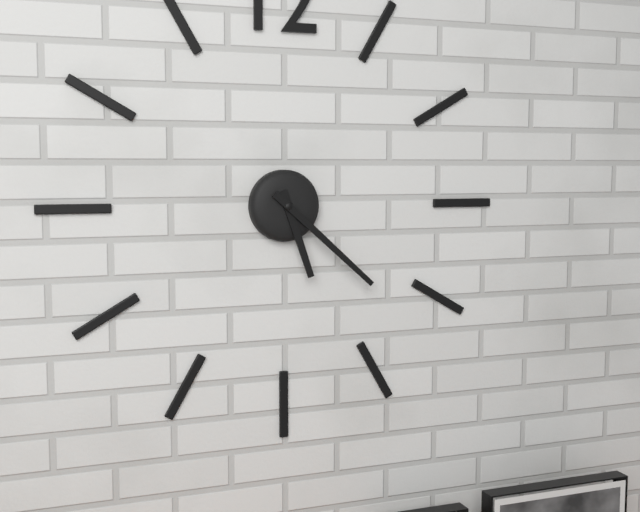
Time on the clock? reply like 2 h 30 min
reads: 5 h 22 min
